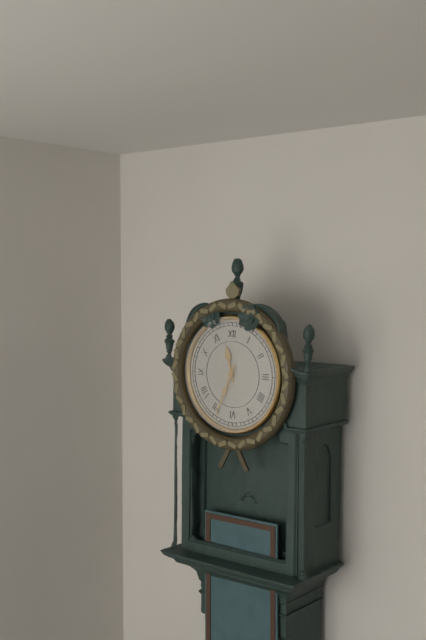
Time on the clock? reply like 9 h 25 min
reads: 11 h 34 min
